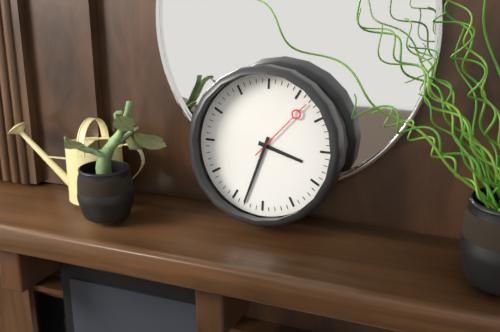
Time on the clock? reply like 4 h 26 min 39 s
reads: 3 h 33 min 07 s
